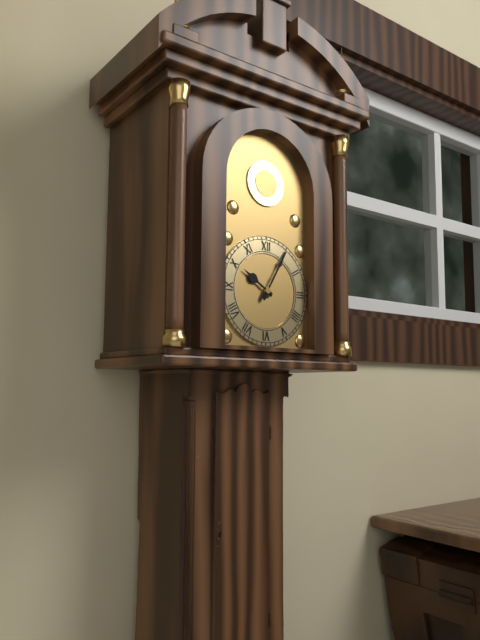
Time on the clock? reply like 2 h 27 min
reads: 10 h 05 min
